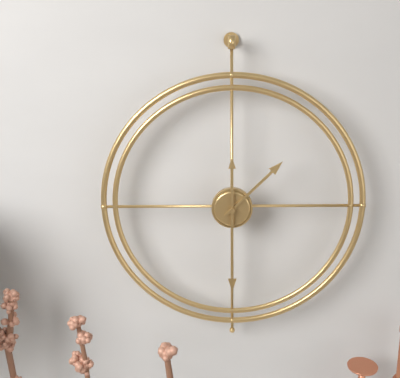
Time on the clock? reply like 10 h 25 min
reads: 1 h 30 min
